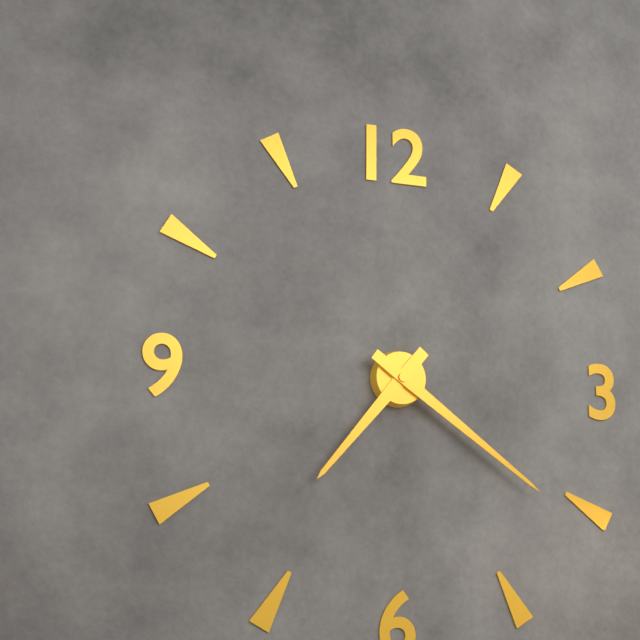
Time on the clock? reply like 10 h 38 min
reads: 7 h 21 min
